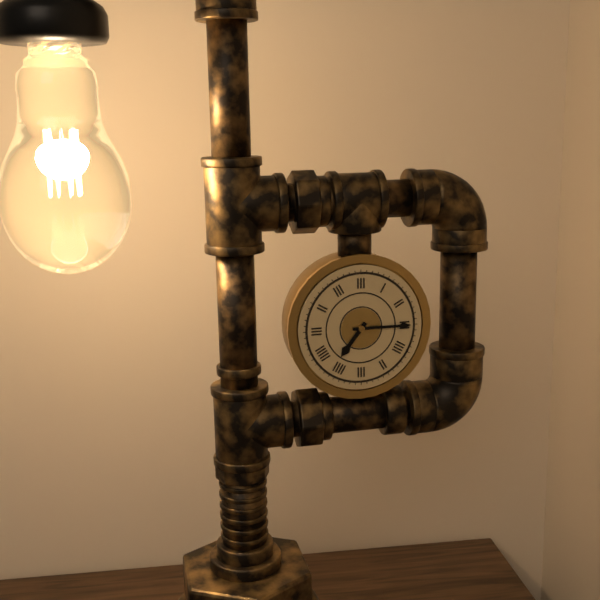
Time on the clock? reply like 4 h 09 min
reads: 7 h 15 min
